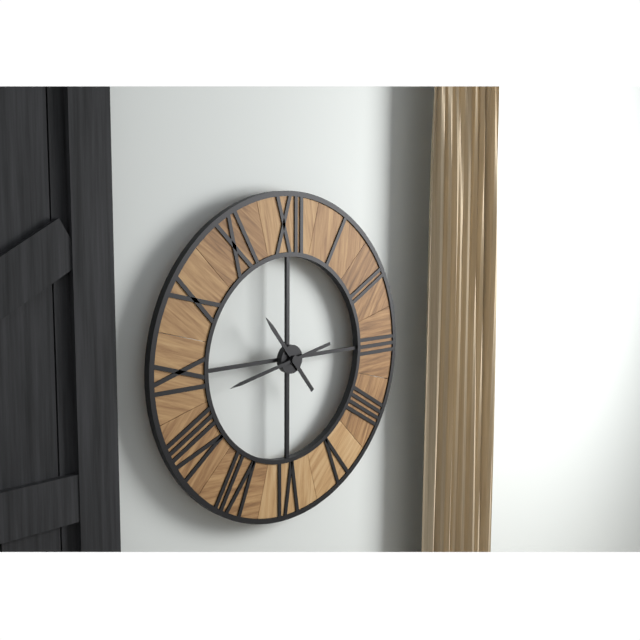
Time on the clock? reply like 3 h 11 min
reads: 10 h 43 min
